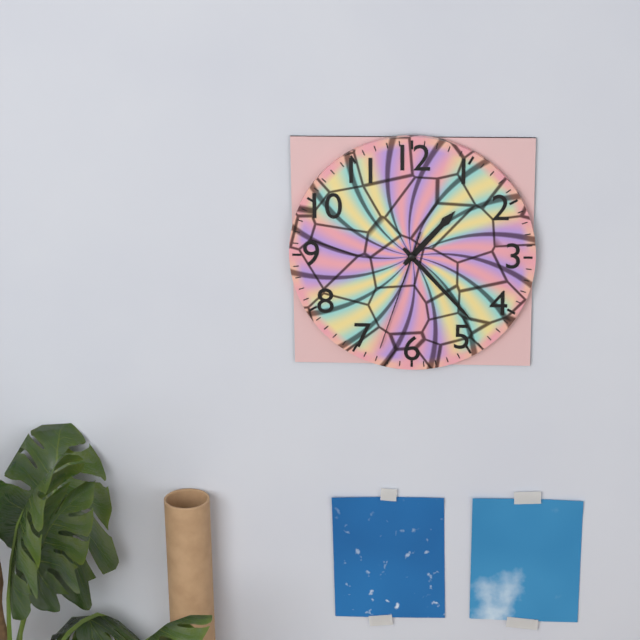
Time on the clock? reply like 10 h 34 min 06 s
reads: 1 h 23 min 33 s
